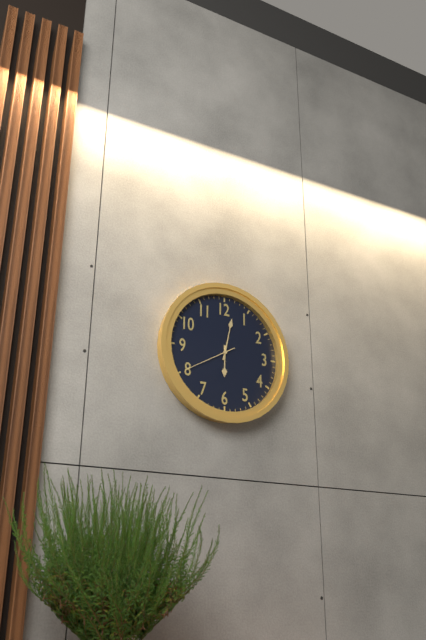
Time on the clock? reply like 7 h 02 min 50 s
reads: 6 h 02 min 40 s
